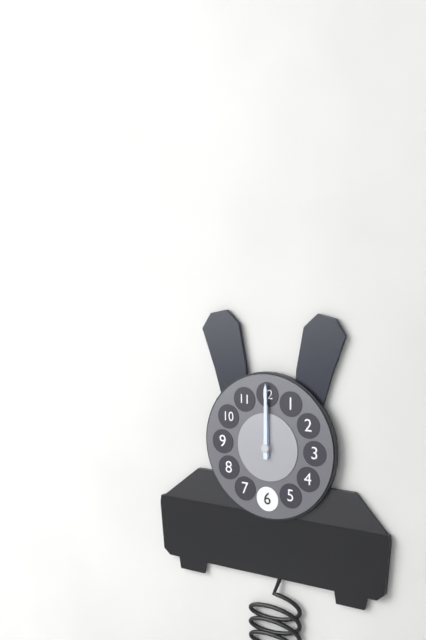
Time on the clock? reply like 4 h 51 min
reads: 12 h 00 min
